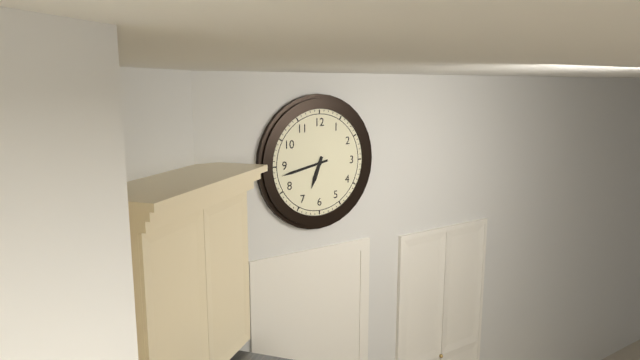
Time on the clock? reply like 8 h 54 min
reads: 6 h 43 min
